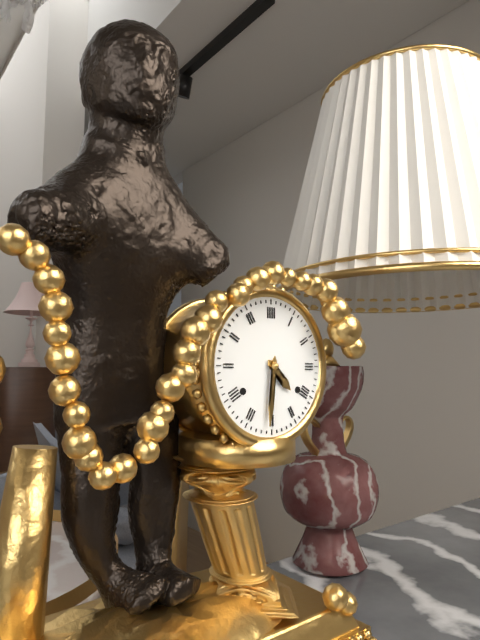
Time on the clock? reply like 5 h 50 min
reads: 4 h 31 min
